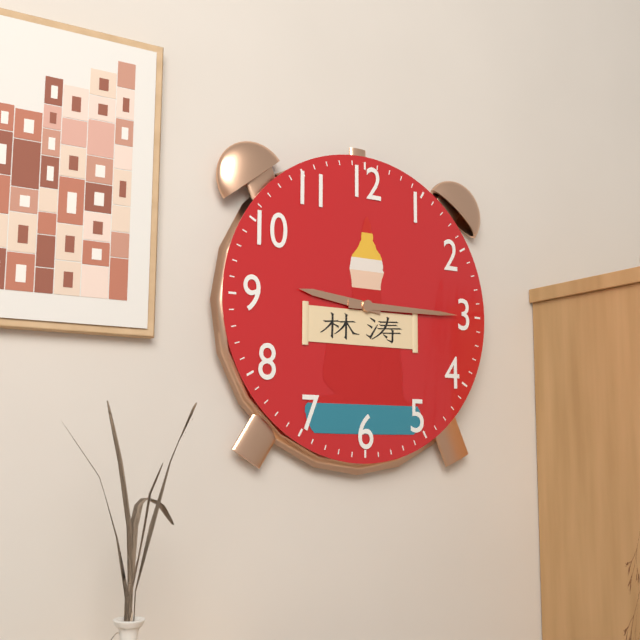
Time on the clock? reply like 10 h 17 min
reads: 9 h 15 min
